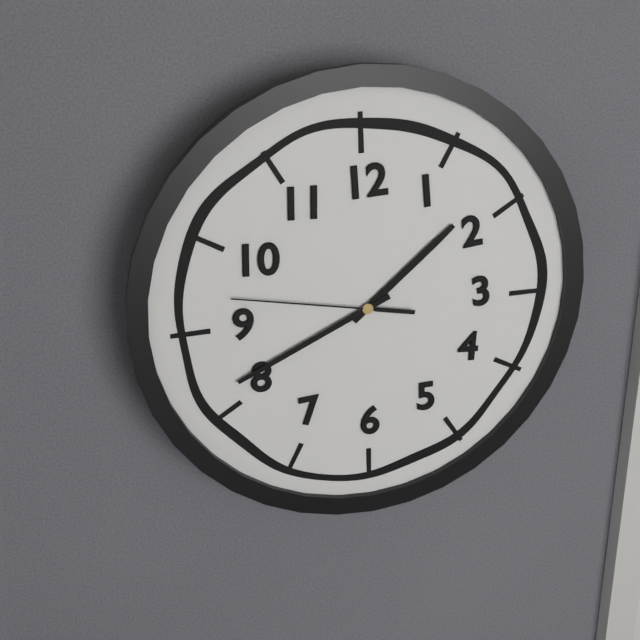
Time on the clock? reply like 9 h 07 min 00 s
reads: 1 h 41 min 47 s
